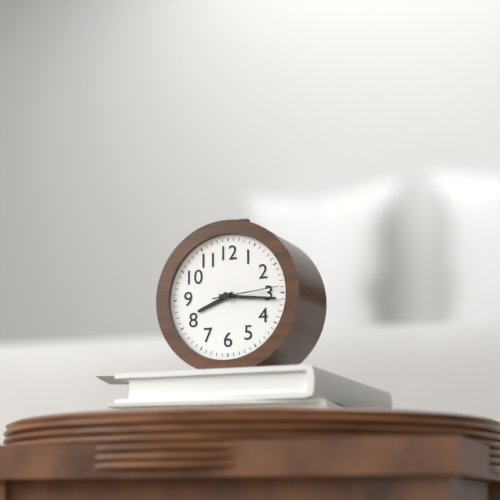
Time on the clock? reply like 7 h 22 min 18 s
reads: 8 h 16 min 14 s
